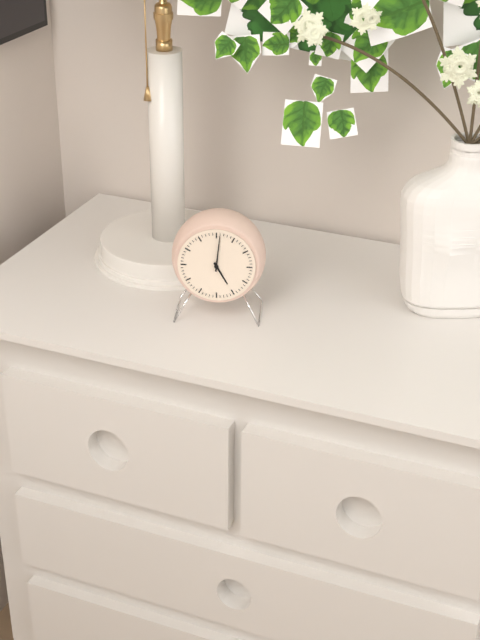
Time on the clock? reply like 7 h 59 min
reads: 5 h 01 min
